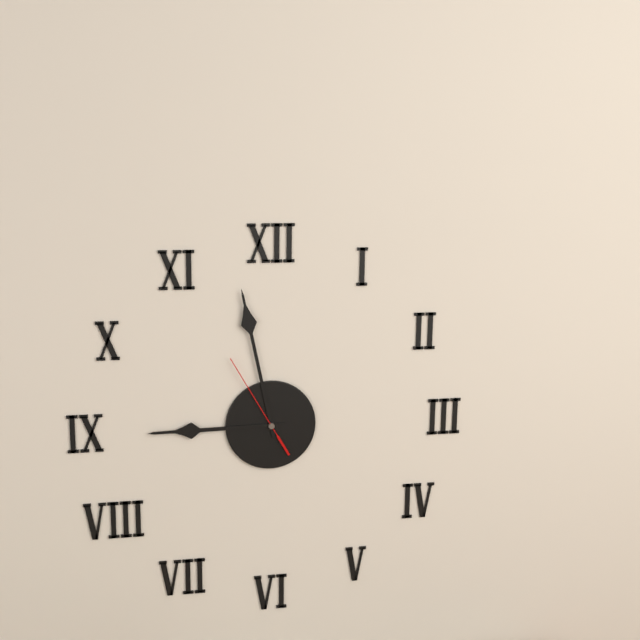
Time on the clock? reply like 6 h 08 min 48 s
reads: 8 h 58 min 55 s
